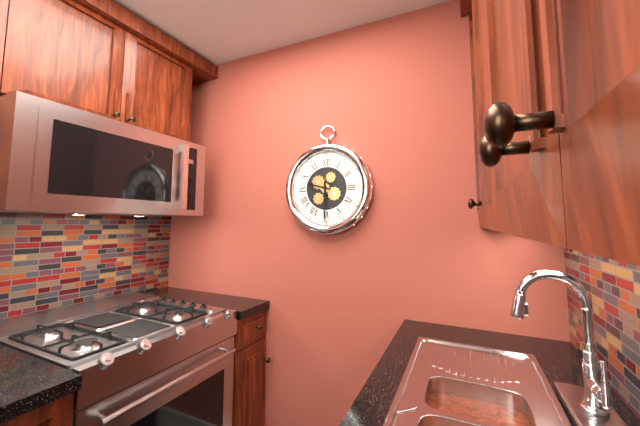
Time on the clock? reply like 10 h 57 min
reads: 9 h 30 min
